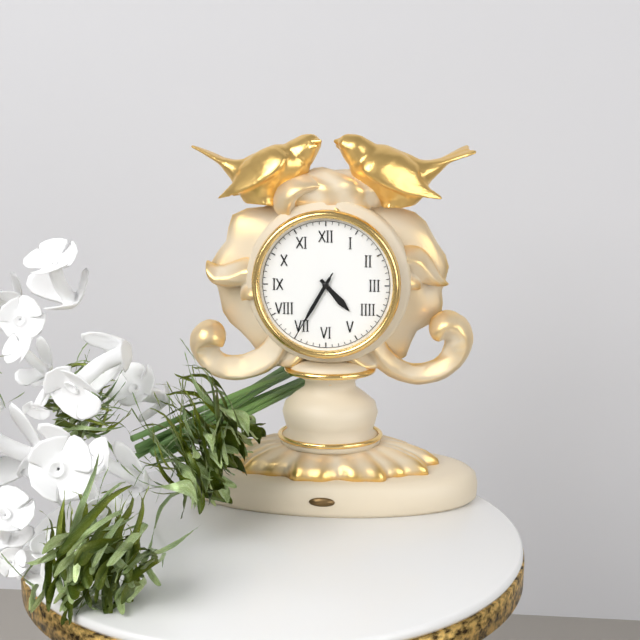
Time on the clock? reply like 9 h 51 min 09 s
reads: 4 h 35 min 35 s
